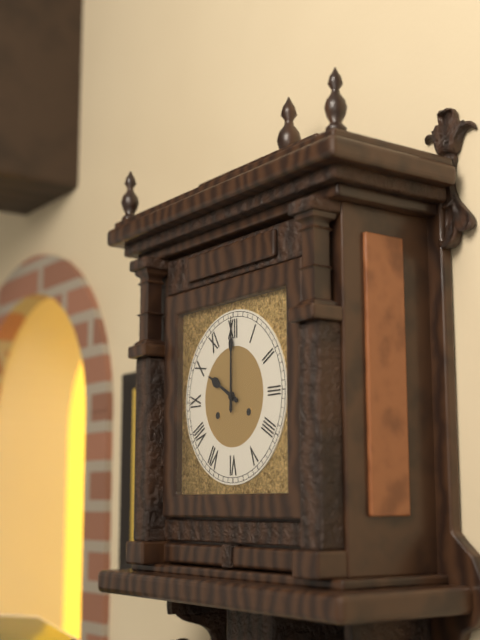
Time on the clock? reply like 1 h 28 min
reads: 10 h 00 min
